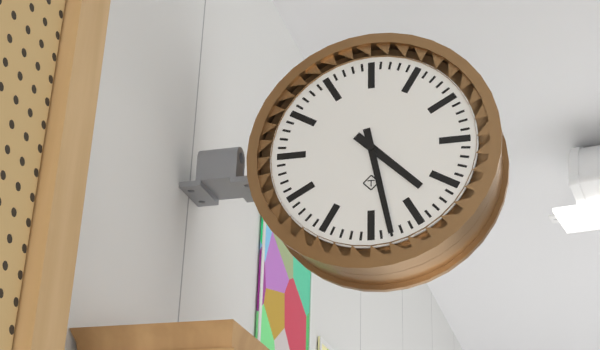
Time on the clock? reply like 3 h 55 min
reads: 4 h 28 min
